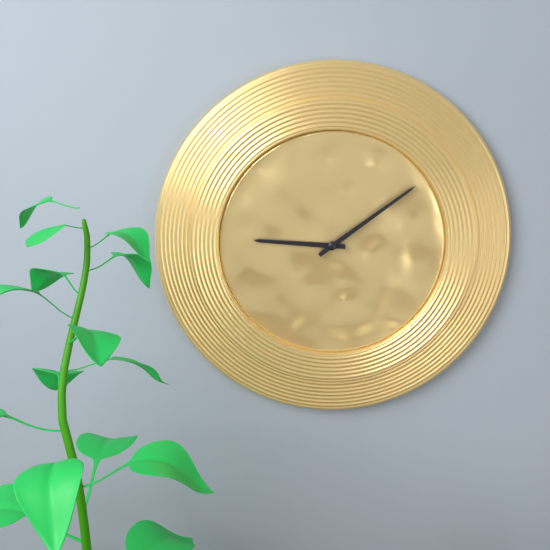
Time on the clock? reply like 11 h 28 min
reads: 9 h 09 min
